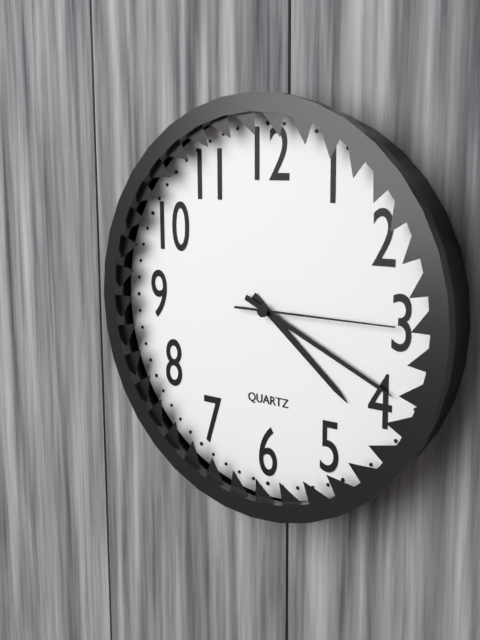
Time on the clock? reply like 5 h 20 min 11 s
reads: 4 h 19 min 15 s
